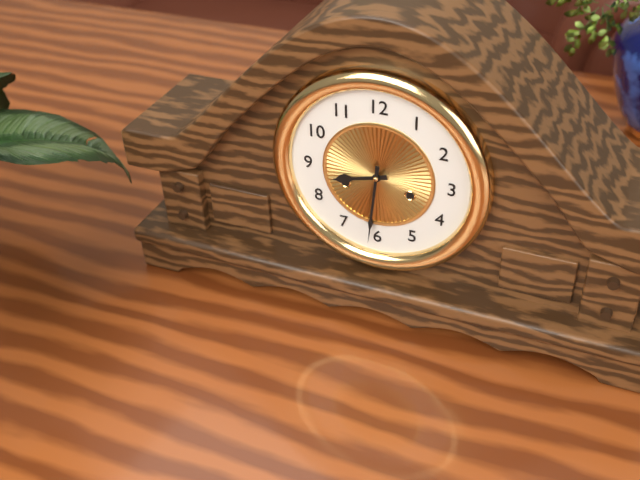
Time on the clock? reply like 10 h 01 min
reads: 8 h 31 min
